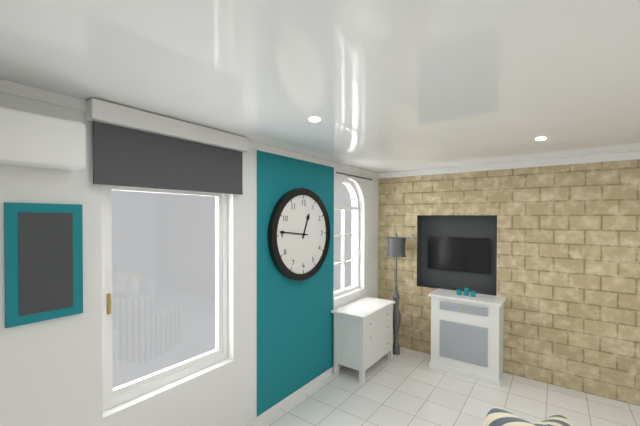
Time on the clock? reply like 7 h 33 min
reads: 12 h 46 min
